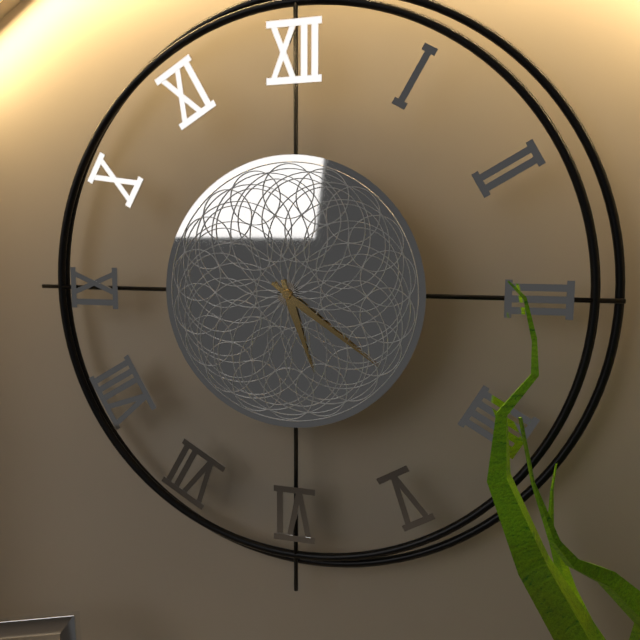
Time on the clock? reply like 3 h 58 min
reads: 5 h 21 min
